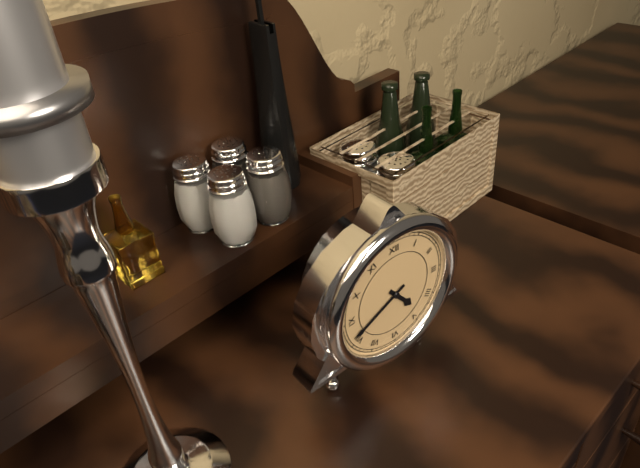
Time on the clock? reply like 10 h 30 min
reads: 4 h 41 min
